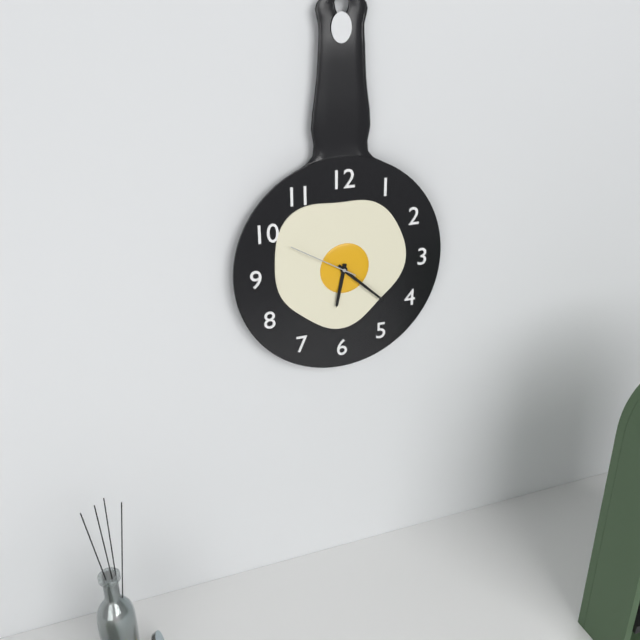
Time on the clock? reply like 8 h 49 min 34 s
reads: 6 h 22 min 50 s
